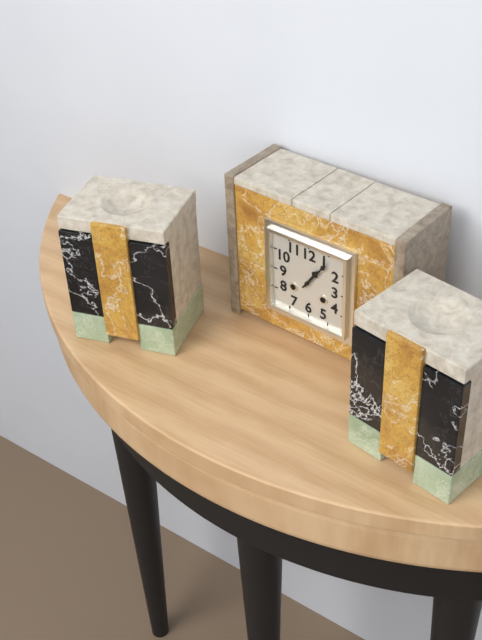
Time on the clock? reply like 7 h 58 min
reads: 1 h 06 min
